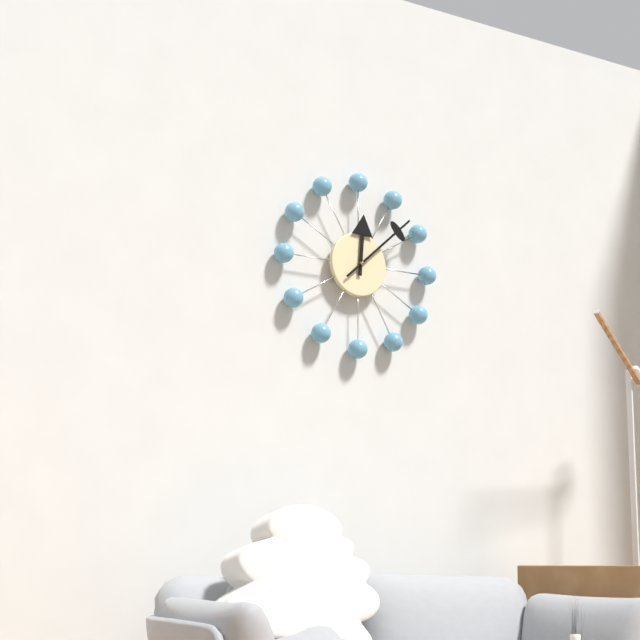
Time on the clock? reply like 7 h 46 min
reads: 12 h 08 min
